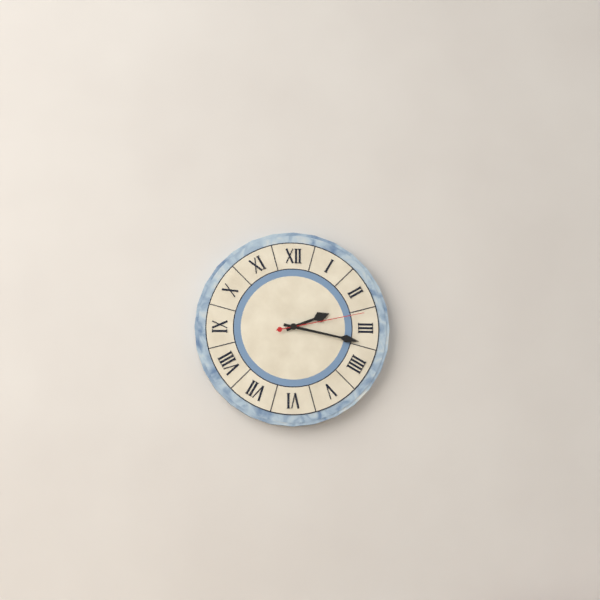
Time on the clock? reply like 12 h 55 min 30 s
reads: 2 h 17 min 13 s
